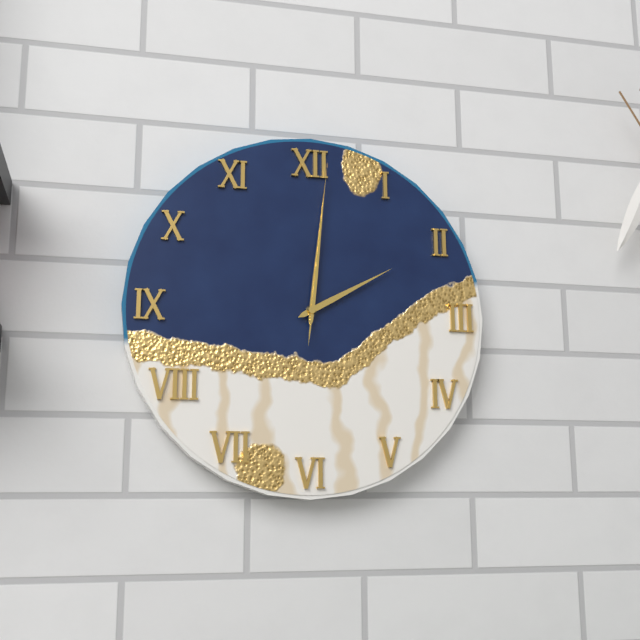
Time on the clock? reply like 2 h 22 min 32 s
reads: 2 h 01 min 01 s
